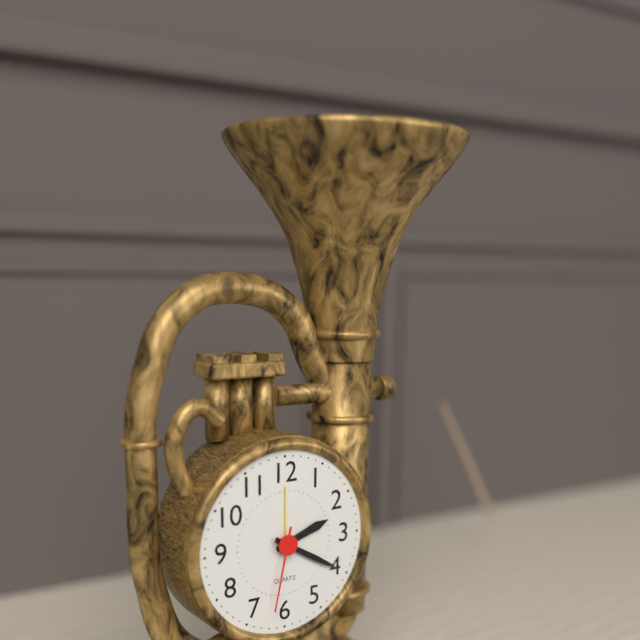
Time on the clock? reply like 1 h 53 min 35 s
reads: 2 h 20 min 32 s
